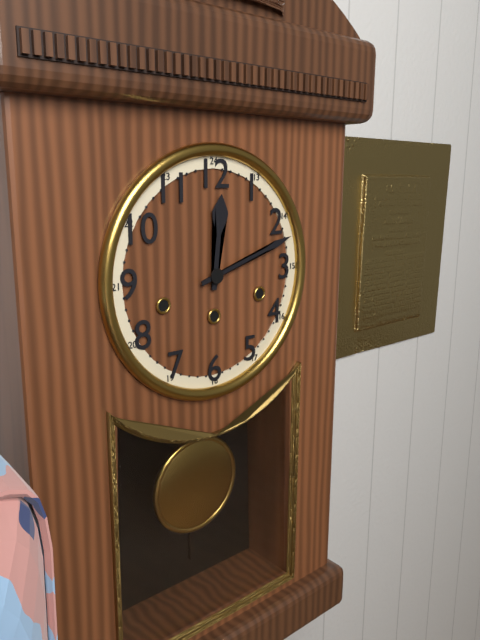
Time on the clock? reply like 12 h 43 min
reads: 12 h 12 min
